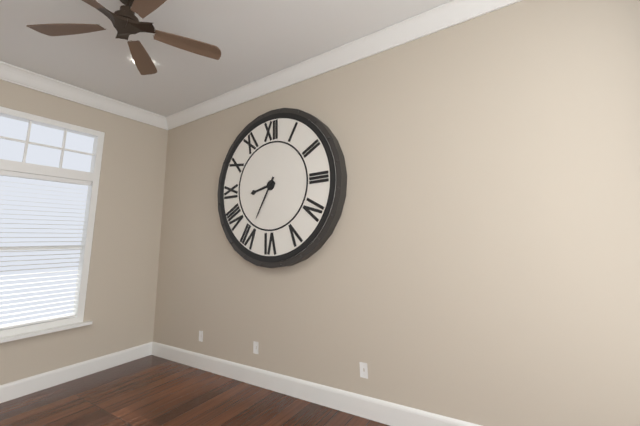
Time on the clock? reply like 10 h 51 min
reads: 8 h 35 min
